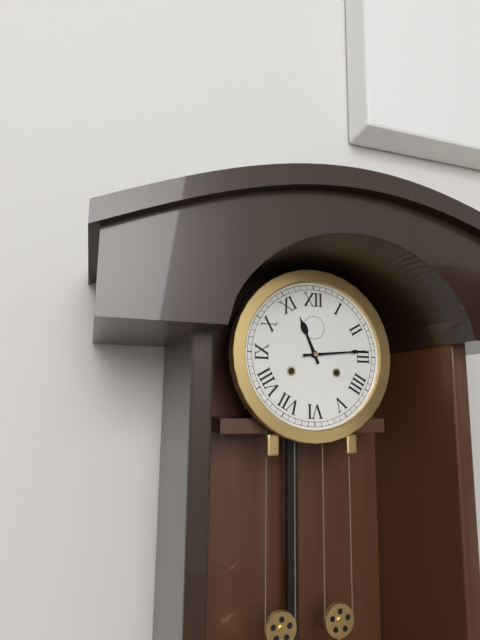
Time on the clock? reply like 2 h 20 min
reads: 11 h 14 min
